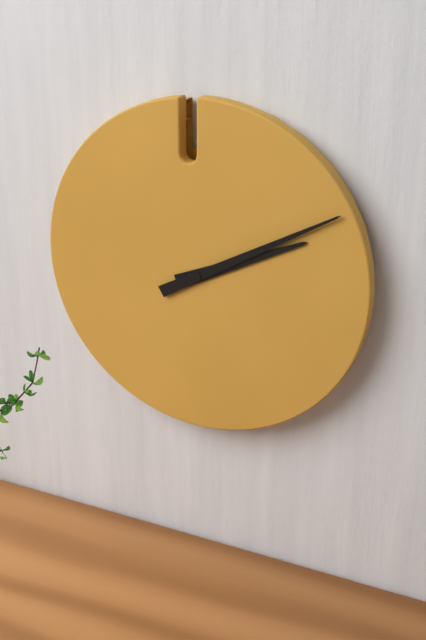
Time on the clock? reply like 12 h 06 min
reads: 2 h 10 min
